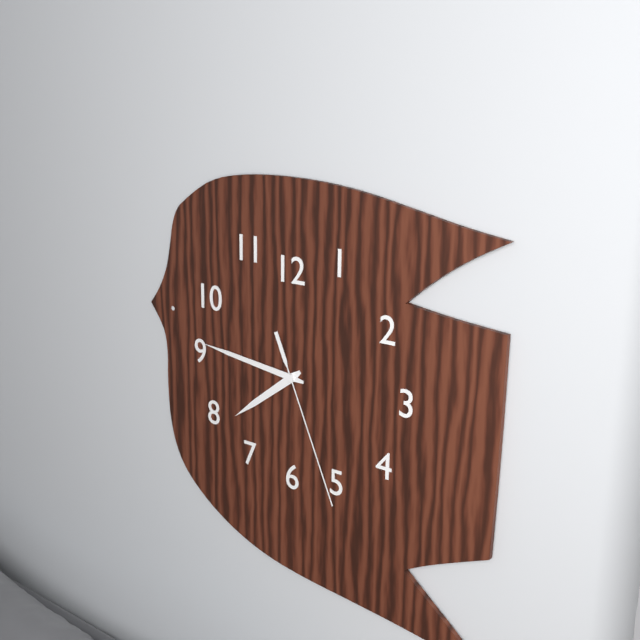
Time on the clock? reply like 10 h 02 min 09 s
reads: 7 h 46 min 26 s
